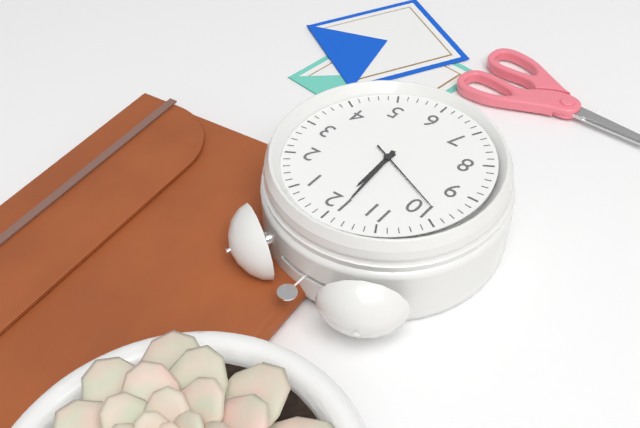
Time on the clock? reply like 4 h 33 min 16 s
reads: 11 h 59 min 49 s
